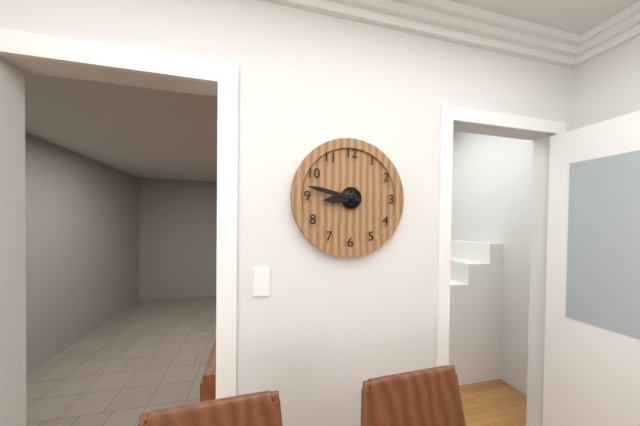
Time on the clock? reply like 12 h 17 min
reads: 8 h 47 min
